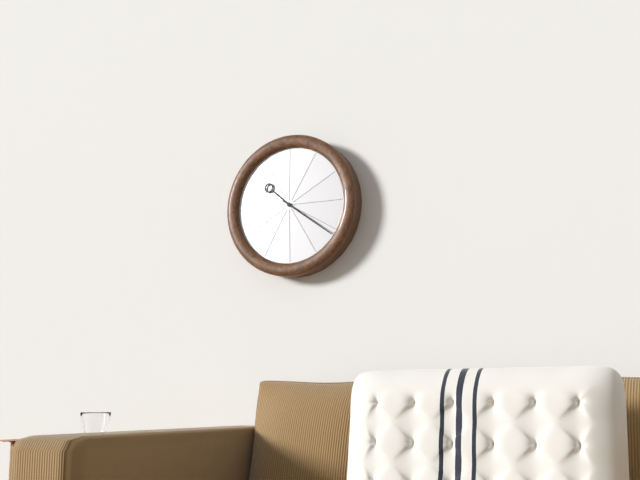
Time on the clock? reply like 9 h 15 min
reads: 10 h 21 min
